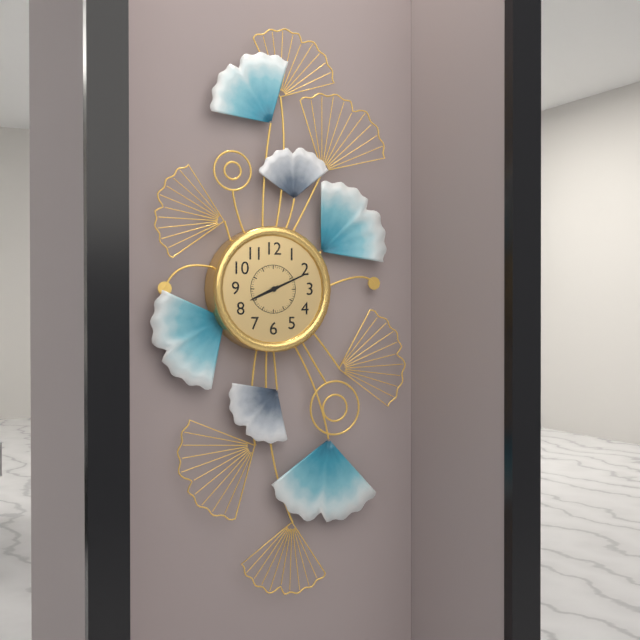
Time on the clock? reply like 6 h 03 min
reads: 8 h 11 min
